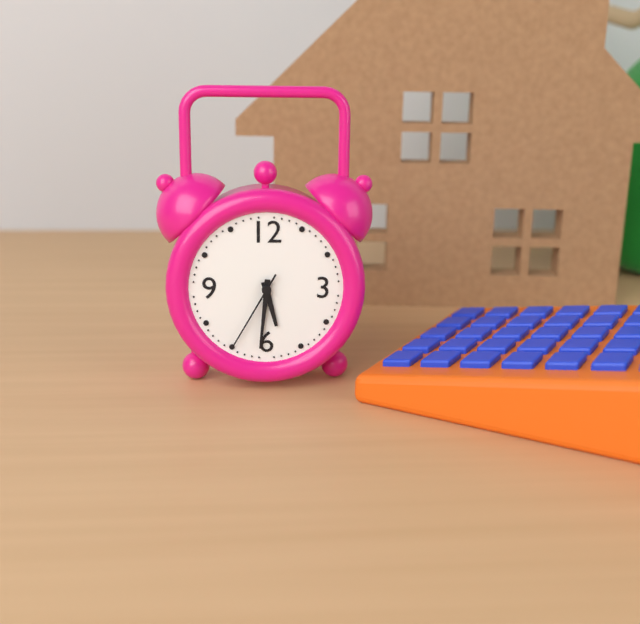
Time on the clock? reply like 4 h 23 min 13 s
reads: 5 h 31 min 35 s
